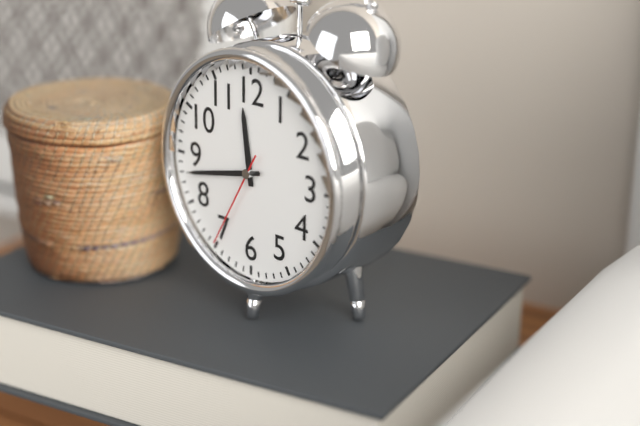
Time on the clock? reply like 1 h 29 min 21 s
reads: 11 h 43 min 35 s
